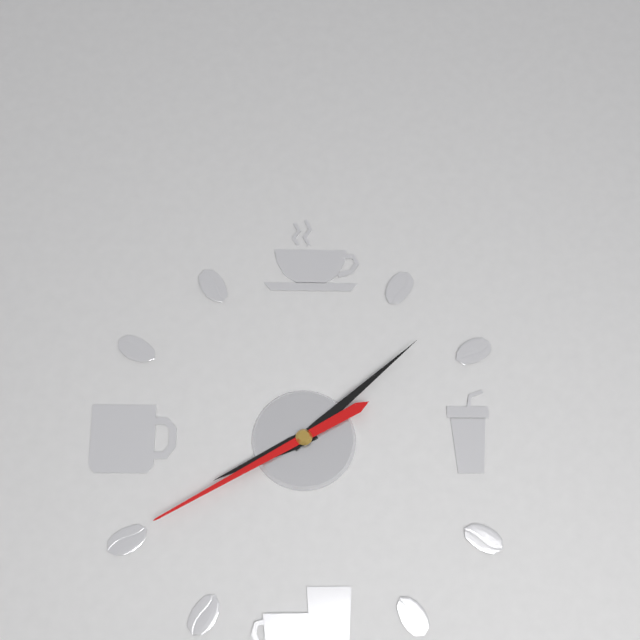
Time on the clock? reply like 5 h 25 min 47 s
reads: 8 h 08 min 40 s
